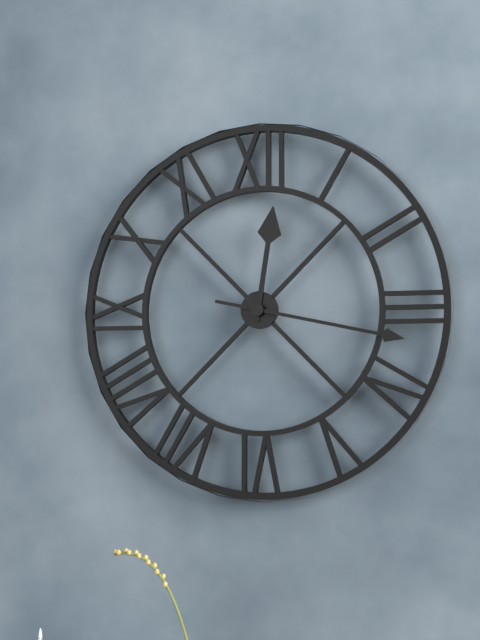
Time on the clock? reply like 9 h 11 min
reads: 12 h 17 min
